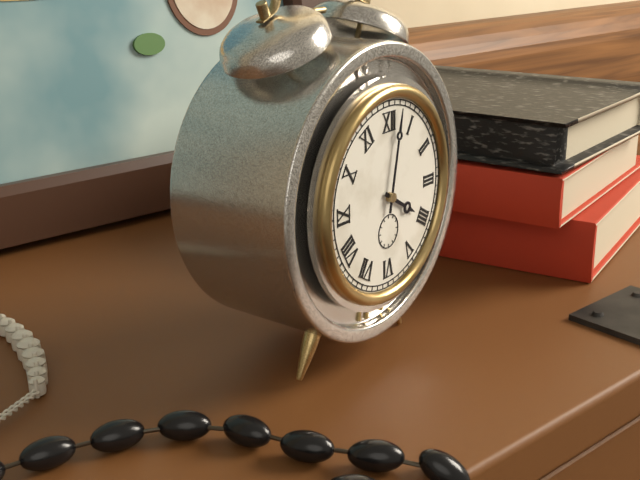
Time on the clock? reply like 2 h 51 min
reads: 4 h 02 min
